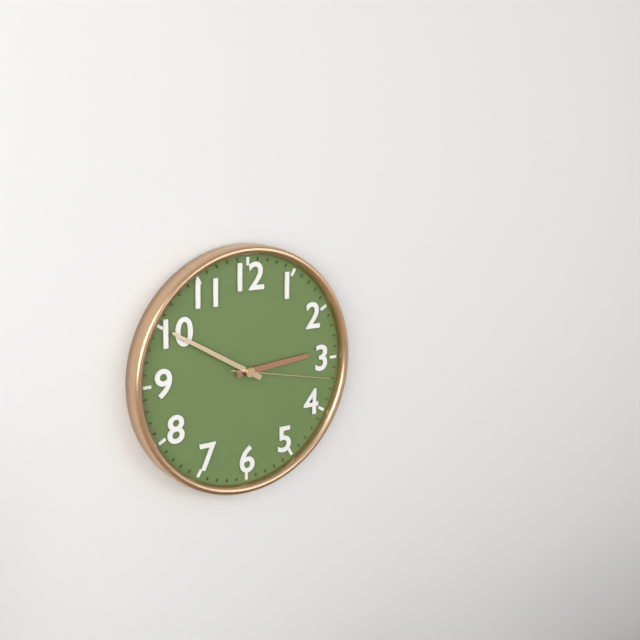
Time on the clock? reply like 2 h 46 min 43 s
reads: 2 h 50 min 17 s
